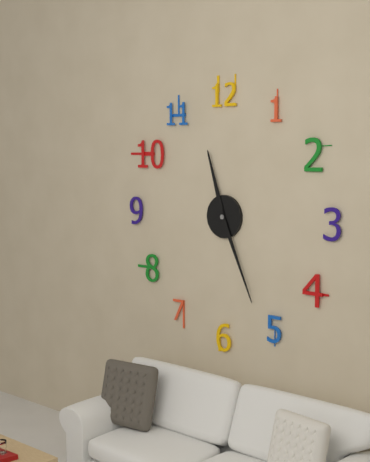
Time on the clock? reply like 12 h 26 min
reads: 11 h 26 min
